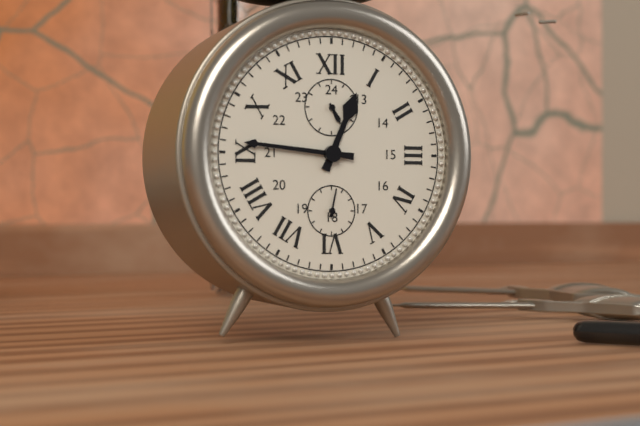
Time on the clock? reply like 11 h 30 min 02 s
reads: 12 h 46 min 02 s
